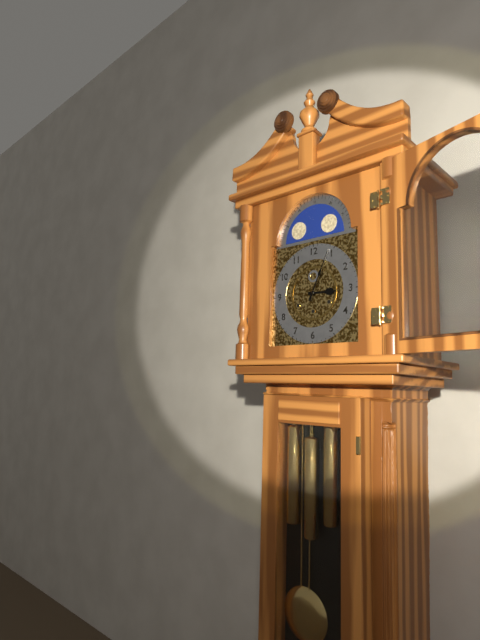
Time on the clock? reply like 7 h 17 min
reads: 3 h 04 min
